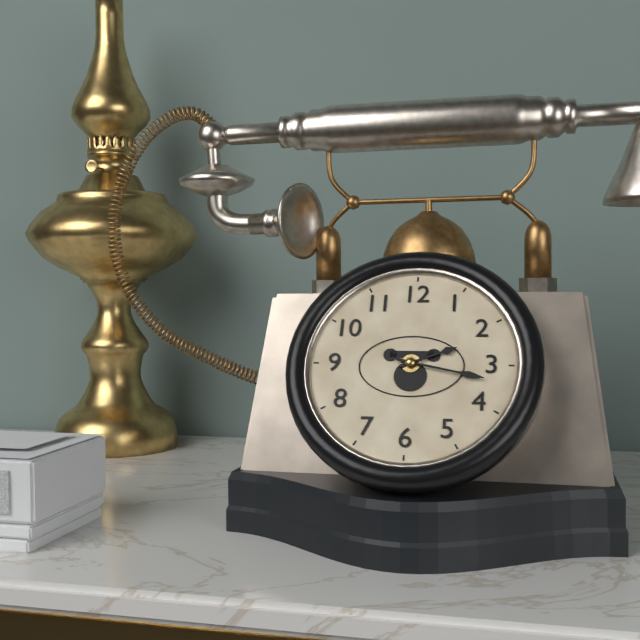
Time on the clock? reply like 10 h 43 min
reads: 2 h 17 min
